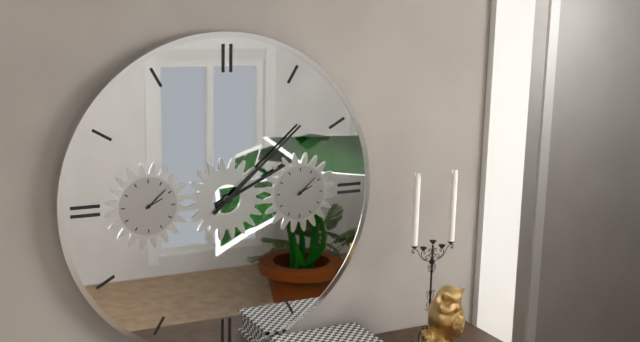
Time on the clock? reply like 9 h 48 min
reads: 2 h 08 min
